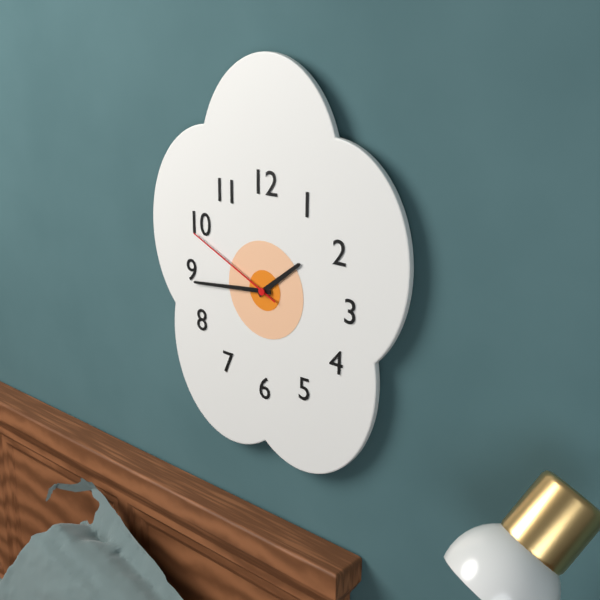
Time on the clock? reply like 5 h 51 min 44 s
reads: 1 h 44 min 49 s
